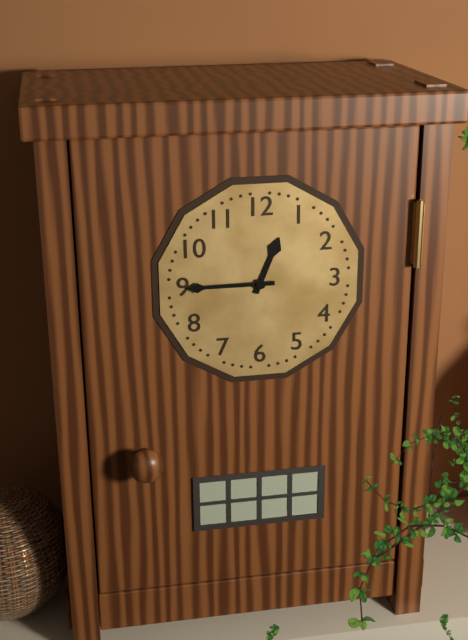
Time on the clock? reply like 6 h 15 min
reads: 12 h 45 min
